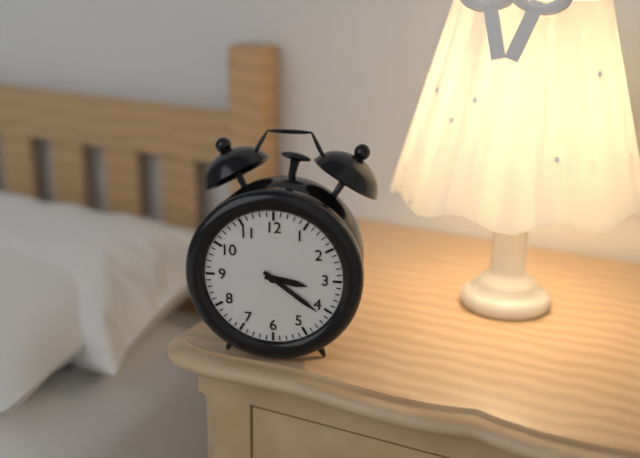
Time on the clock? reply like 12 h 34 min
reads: 3 h 21 min
